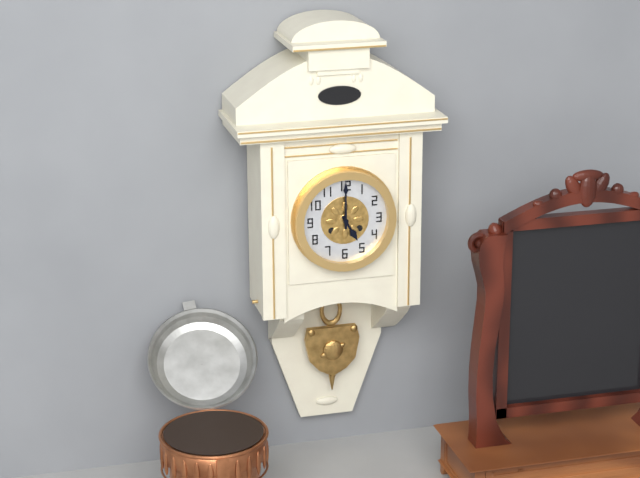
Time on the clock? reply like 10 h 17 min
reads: 5 h 00 min
